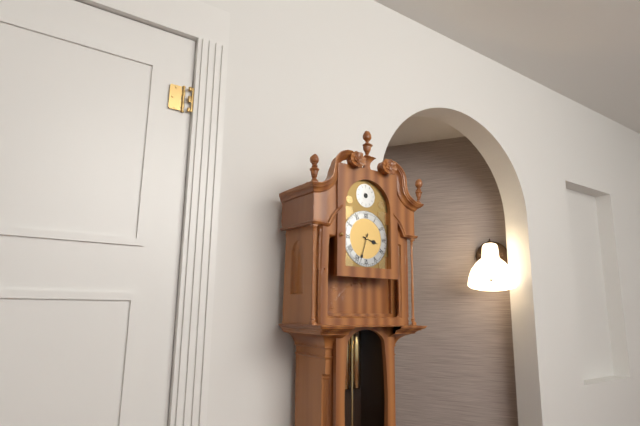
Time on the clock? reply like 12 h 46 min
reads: 3 h 33 min
